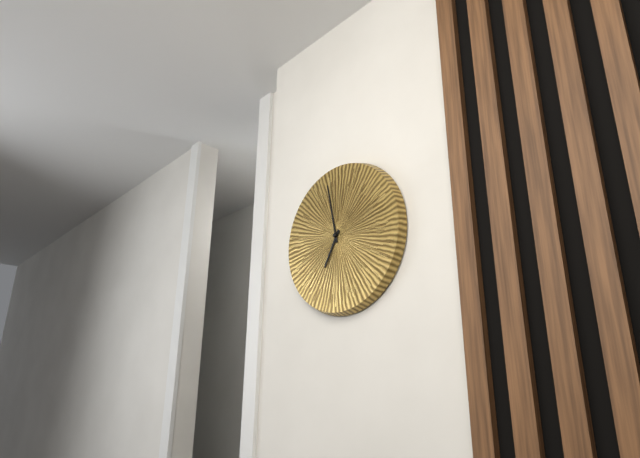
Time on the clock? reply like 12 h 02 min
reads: 6 h 58 min
